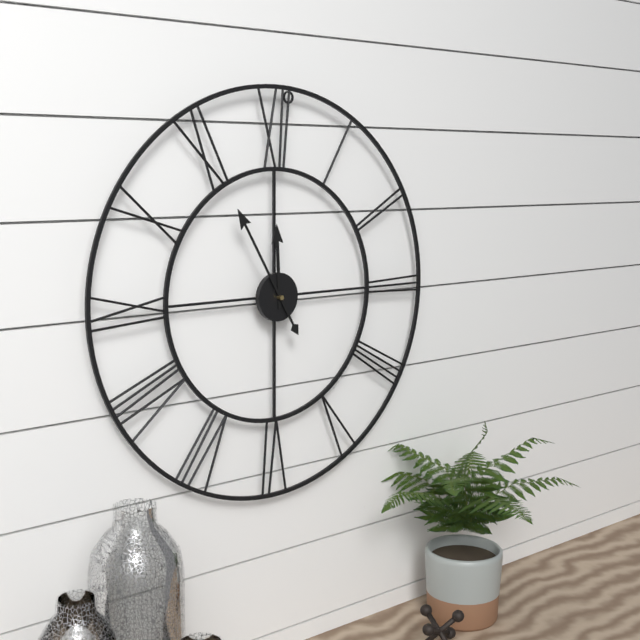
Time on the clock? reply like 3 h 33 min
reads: 11 h 55 min
